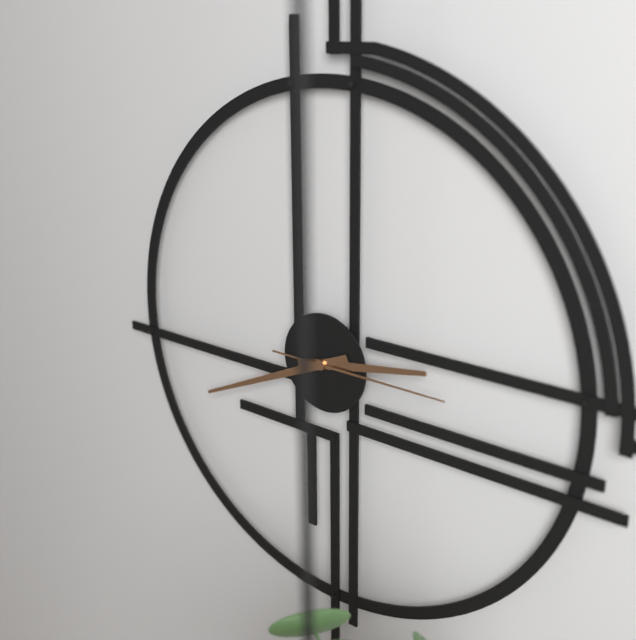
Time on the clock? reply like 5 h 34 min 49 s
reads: 2 h 41 min 15 s
